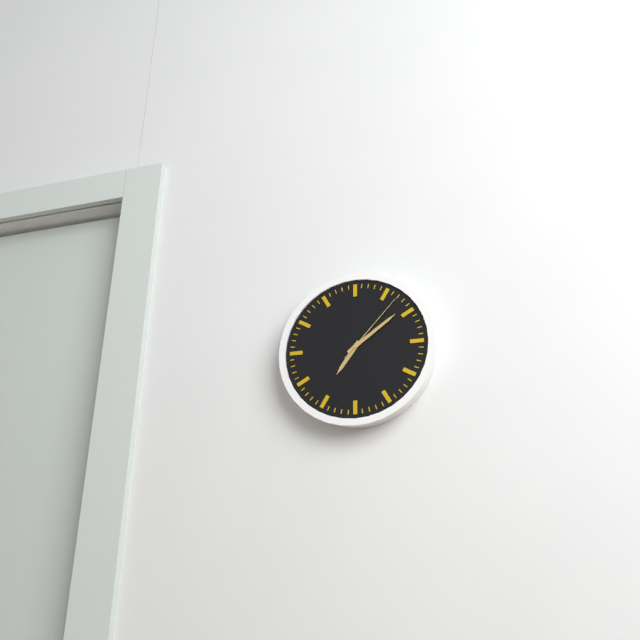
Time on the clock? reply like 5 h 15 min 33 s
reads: 7 h 09 min 07 s
